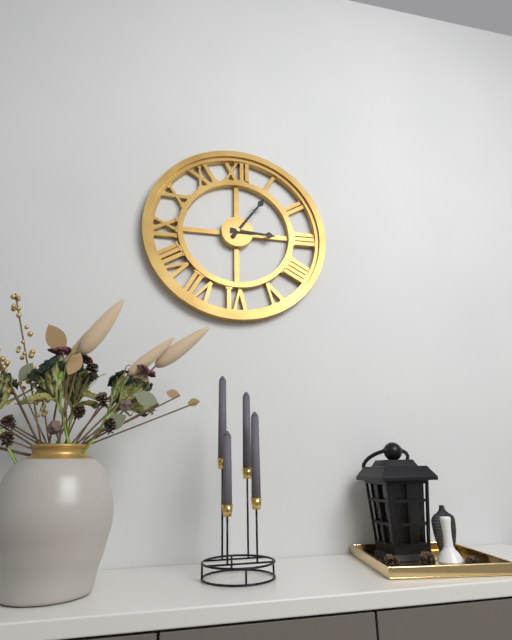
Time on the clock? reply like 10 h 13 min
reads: 3 h 06 min
